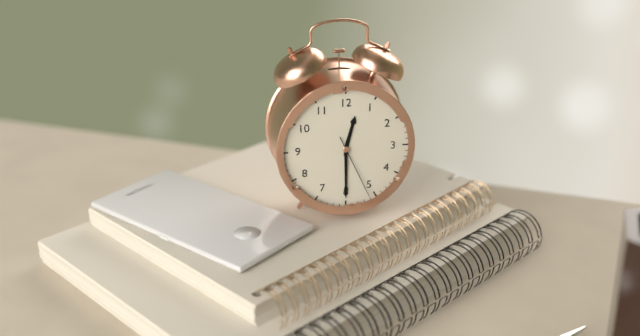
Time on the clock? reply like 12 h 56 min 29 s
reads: 12 h 30 min 26 s
